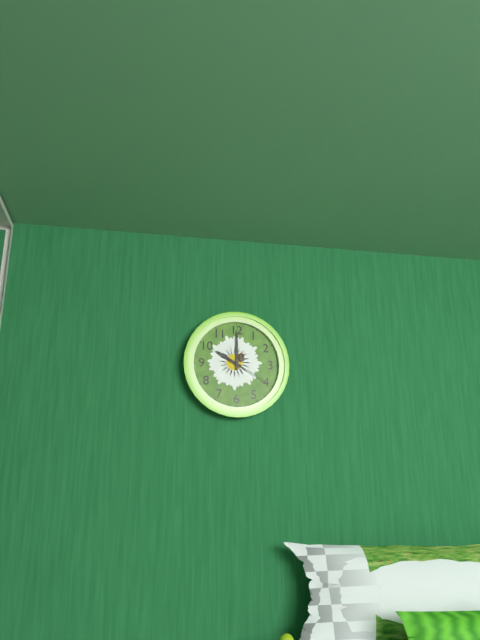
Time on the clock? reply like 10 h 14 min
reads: 10 h 00 min
